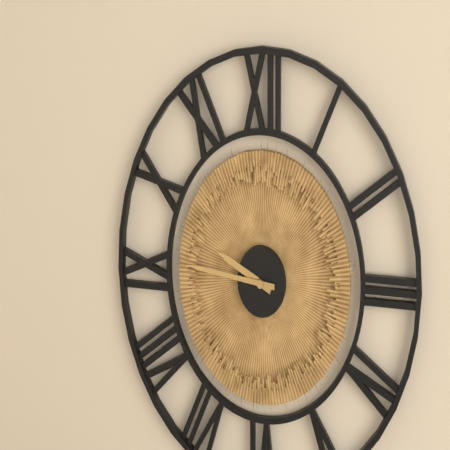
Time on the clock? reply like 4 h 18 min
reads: 9 h 46 min
